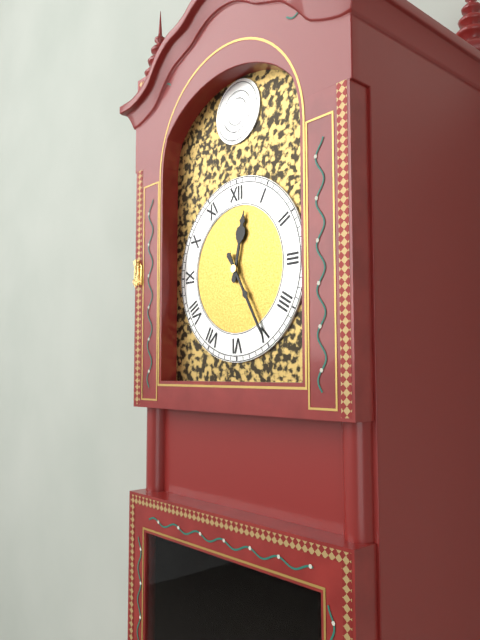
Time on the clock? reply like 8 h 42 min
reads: 12 h 25 min
